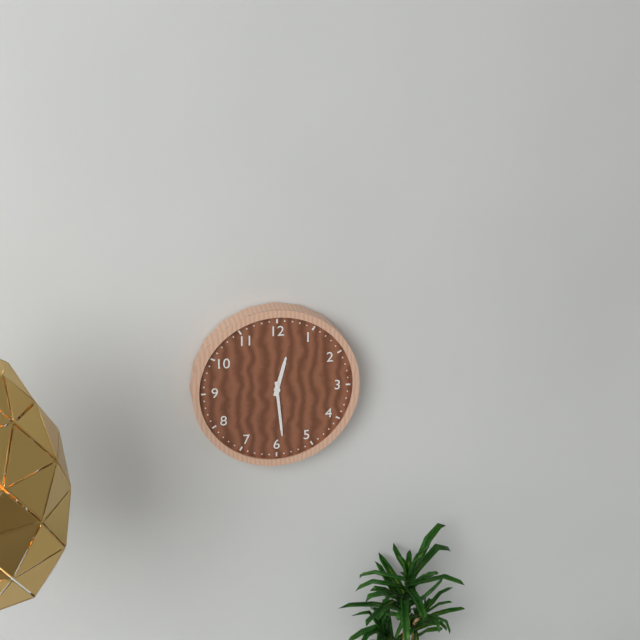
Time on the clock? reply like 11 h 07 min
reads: 12 h 29 min
